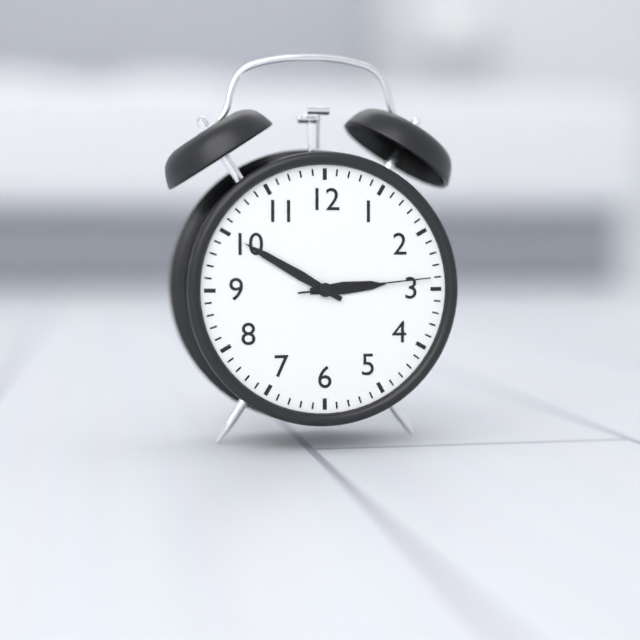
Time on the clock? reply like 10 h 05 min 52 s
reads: 2 h 50 min 14 s
